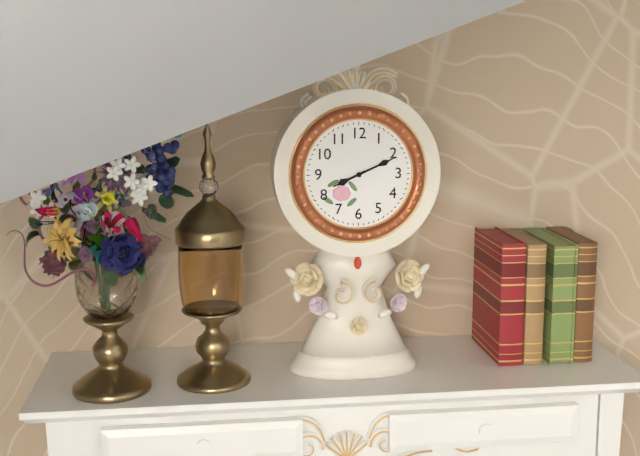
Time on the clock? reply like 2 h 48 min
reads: 8 h 11 min
